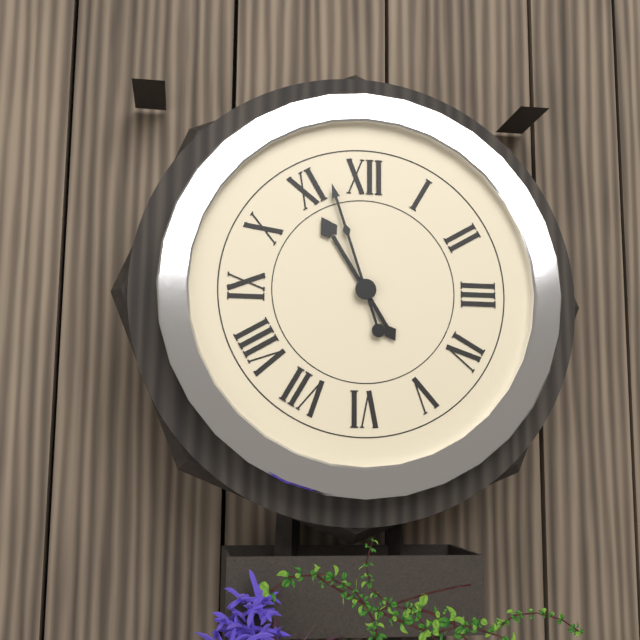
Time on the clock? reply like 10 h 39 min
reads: 10 h 57 min
